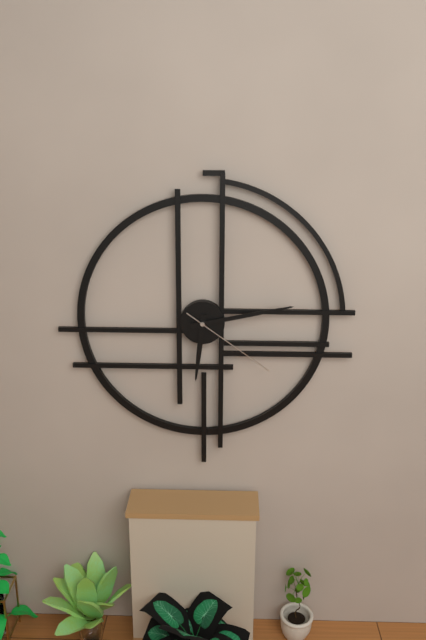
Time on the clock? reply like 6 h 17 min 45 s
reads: 6 h 13 min 21 s
